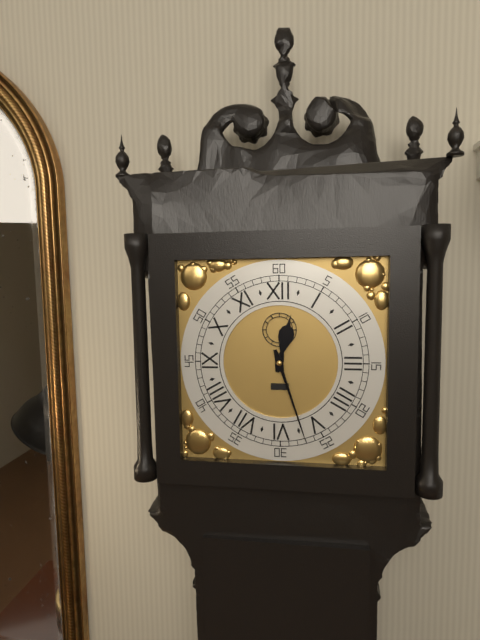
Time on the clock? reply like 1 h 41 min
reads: 12 h 27 min
